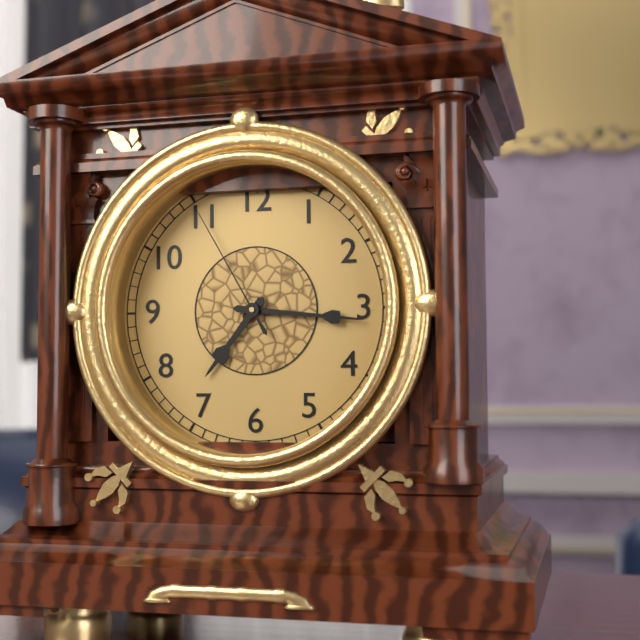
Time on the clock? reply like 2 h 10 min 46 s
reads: 7 h 16 min 55 s
